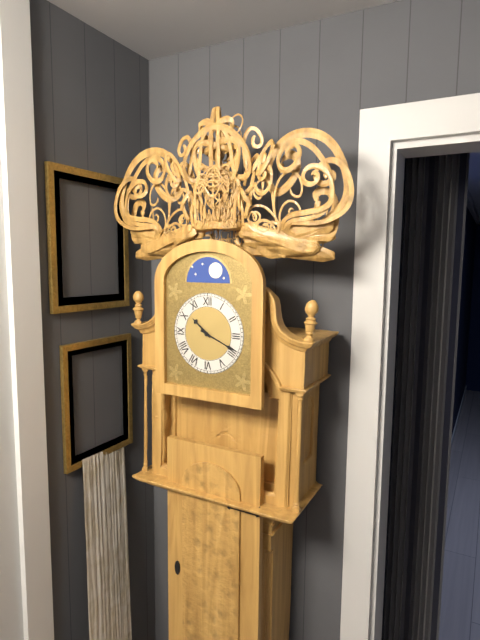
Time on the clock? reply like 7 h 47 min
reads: 10 h 19 min
